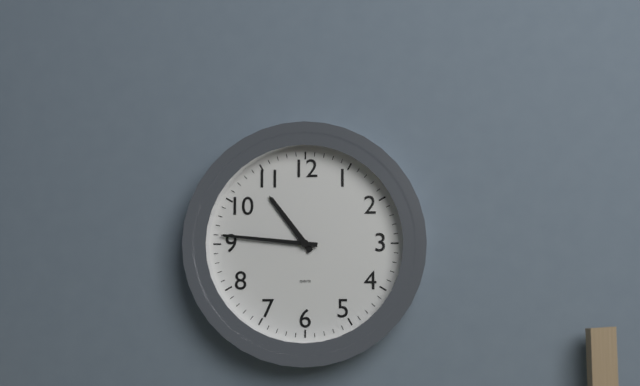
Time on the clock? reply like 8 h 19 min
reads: 10 h 46 min
